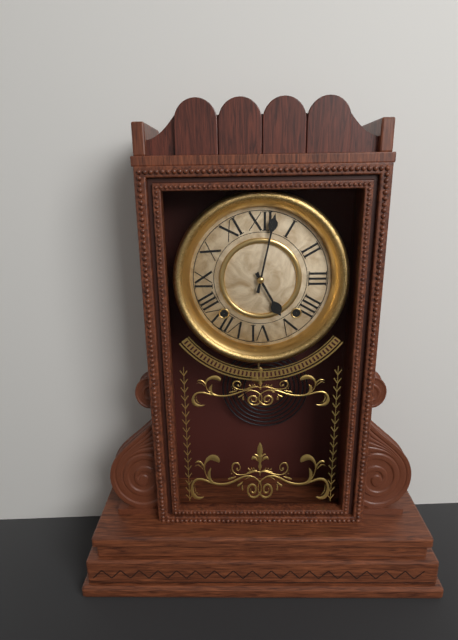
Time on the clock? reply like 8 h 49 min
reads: 5 h 02 min
